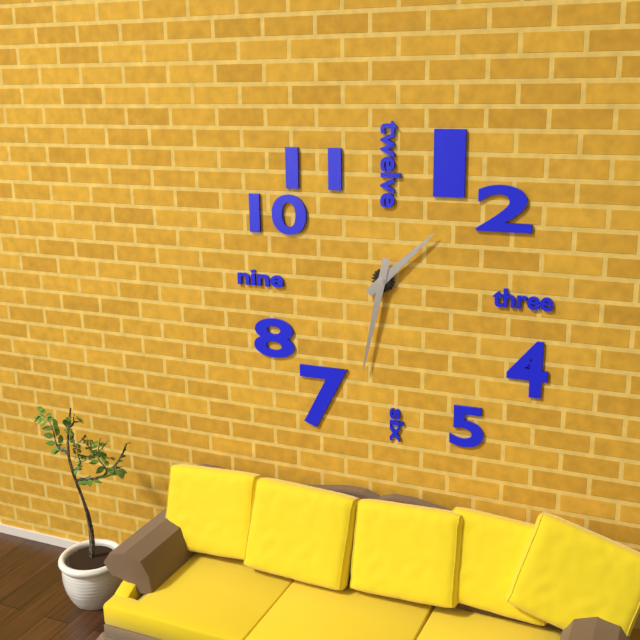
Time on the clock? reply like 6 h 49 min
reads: 1 h 32 min
